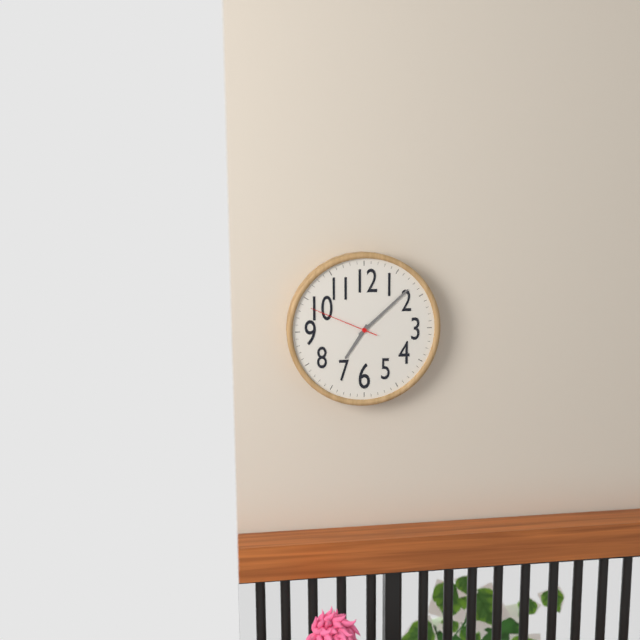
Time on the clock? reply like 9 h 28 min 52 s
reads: 7 h 08 min 49 s
